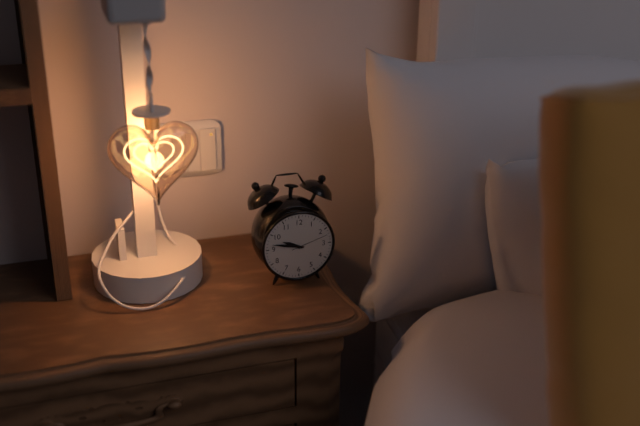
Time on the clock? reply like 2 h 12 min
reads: 9 h 47 min
